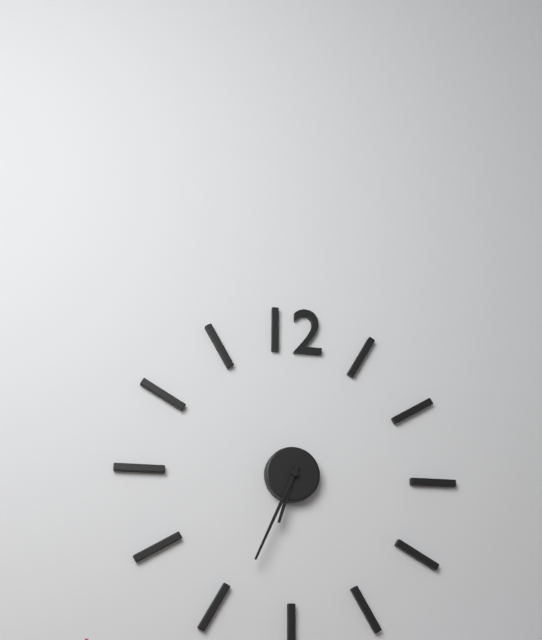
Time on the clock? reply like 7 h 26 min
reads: 6 h 34 min
